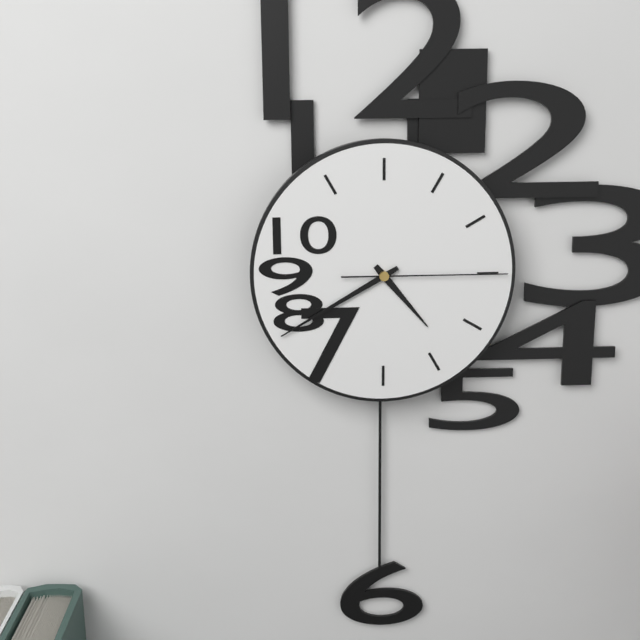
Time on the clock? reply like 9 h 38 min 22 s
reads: 4 h 40 min 15 s
